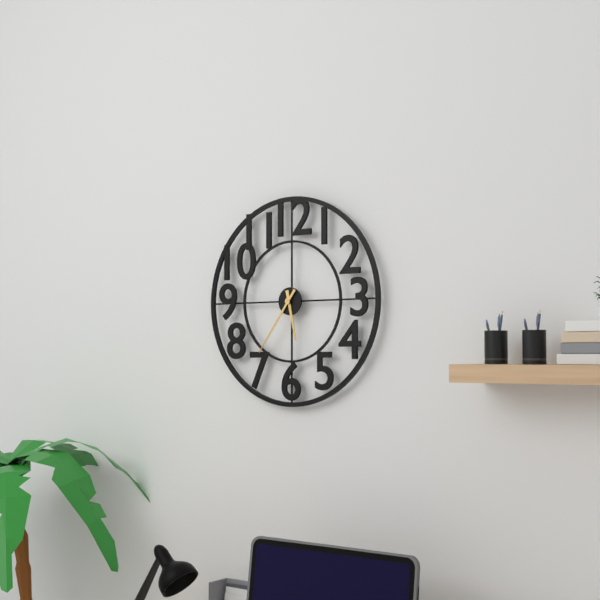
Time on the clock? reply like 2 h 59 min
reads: 5 h 36 min
